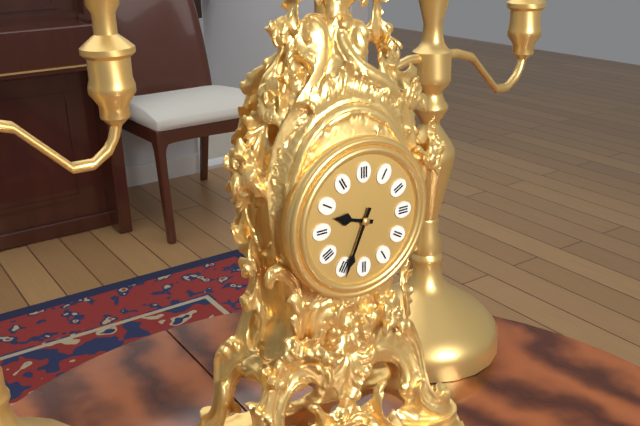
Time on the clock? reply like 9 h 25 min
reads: 9 h 34 min
